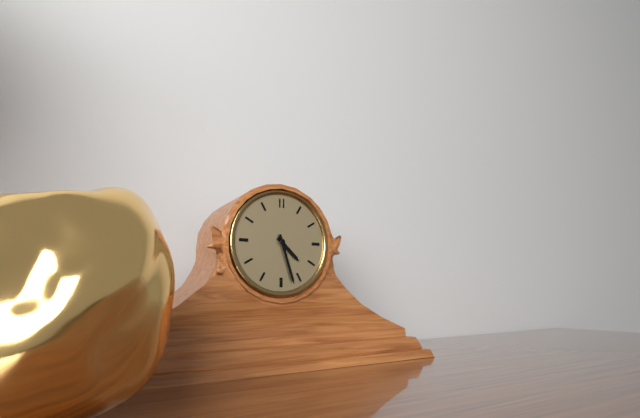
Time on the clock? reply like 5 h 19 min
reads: 4 h 27 min
